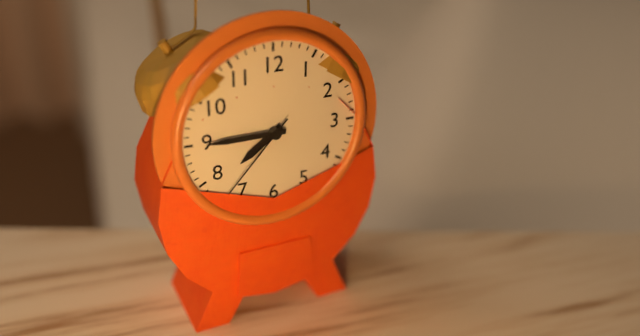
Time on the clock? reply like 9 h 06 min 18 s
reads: 7 h 45 min 37 s
